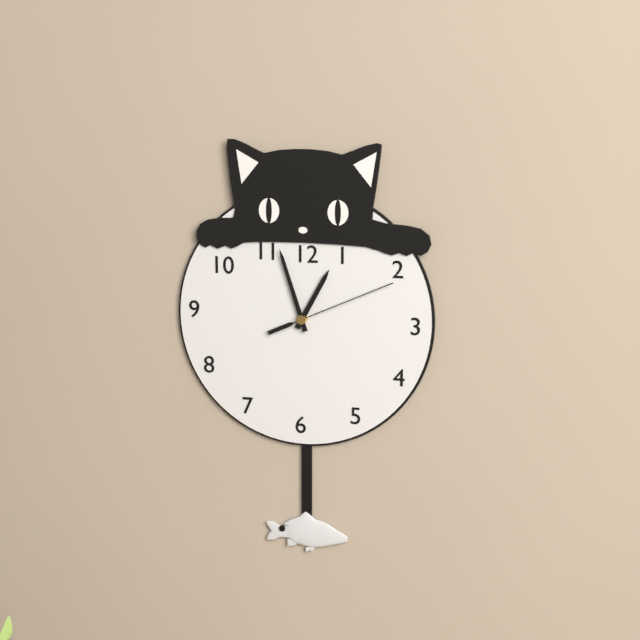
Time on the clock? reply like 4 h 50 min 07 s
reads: 12 h 57 min 11 s
